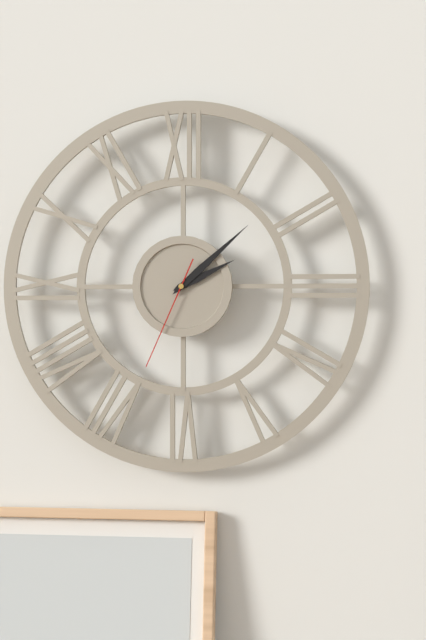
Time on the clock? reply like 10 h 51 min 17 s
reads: 2 h 08 min 34 s
